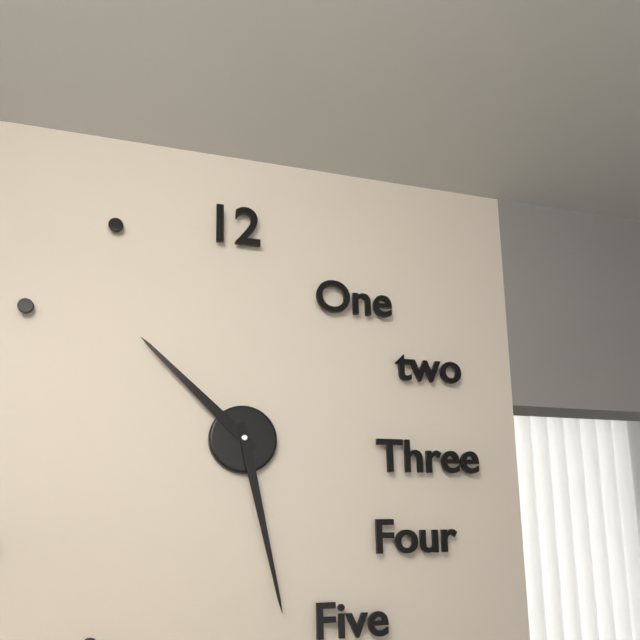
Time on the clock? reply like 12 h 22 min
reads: 10 h 28 min
